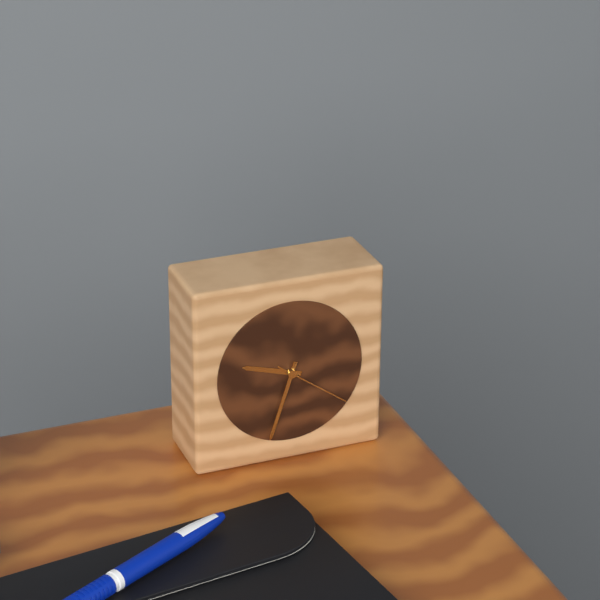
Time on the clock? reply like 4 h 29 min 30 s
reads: 9 h 33 min 21 s
